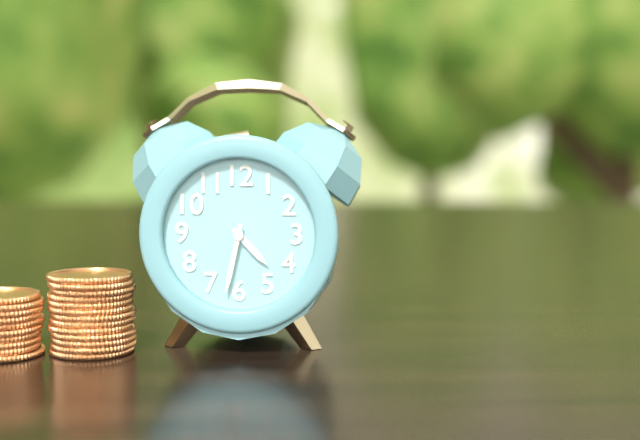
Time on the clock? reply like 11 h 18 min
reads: 4 h 32 min
